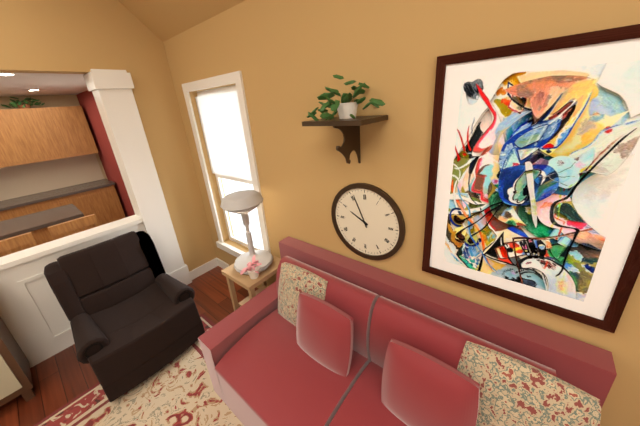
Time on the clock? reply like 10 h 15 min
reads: 9 h 56 min
